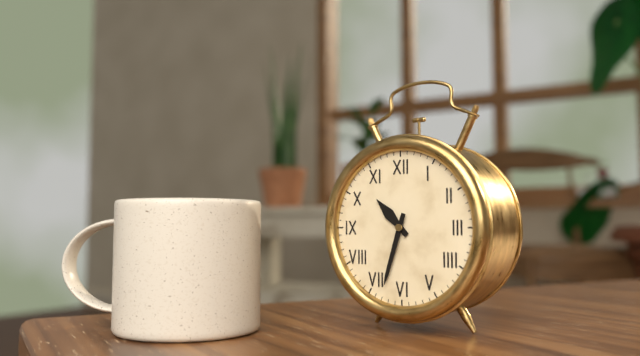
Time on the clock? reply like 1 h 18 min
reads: 10 h 33 min
